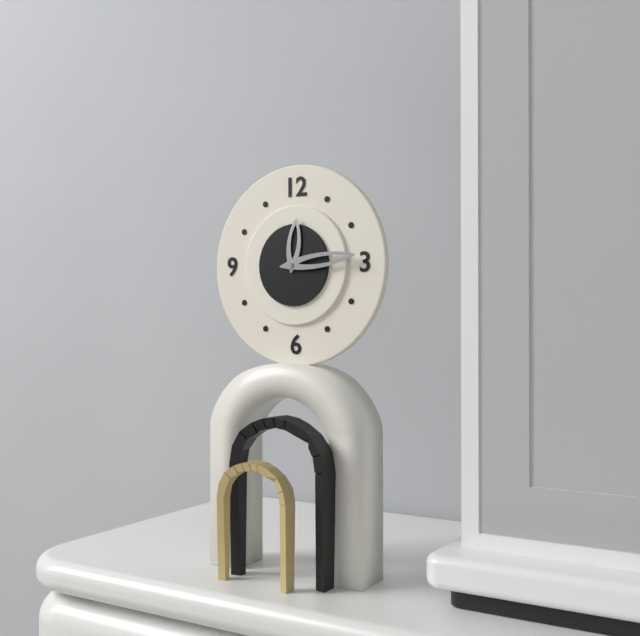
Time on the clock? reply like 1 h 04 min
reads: 12 h 14 min
